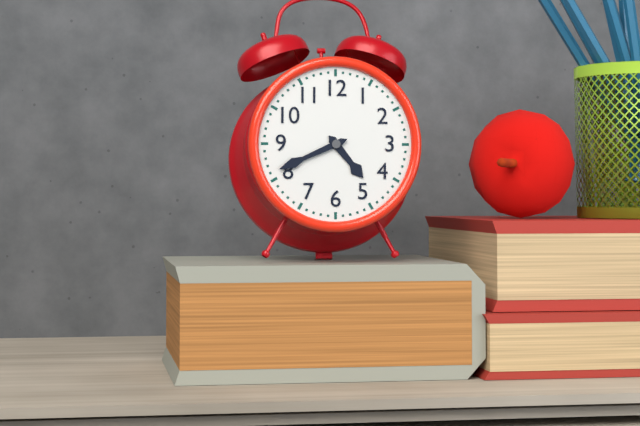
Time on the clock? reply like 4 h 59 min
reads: 4 h 41 min
